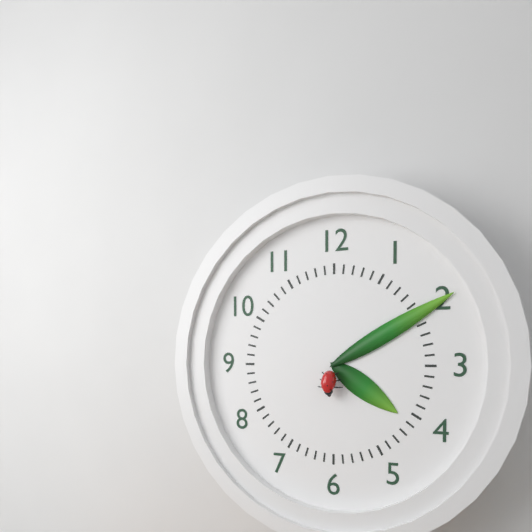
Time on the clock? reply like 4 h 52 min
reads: 4 h 10 min
